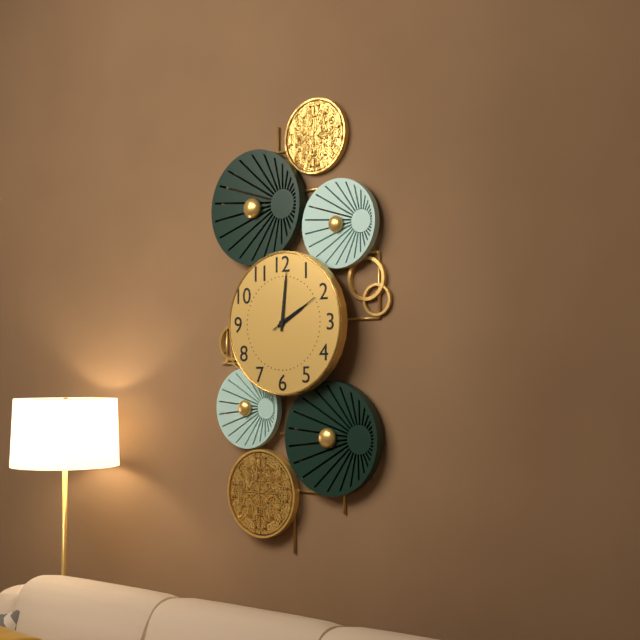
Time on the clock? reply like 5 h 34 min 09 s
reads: 2 h 01 min 10 s
